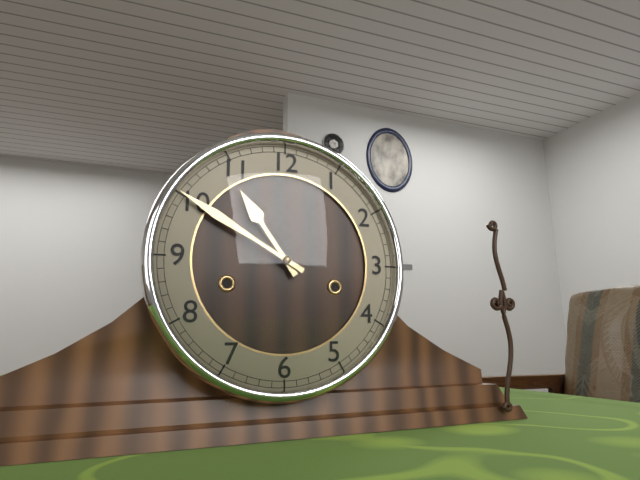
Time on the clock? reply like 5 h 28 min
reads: 10 h 50 min
